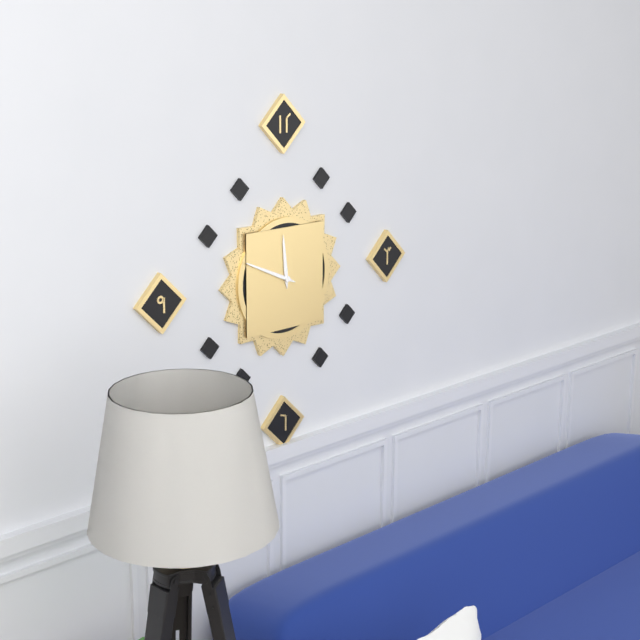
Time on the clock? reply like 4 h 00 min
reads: 11 h 49 min
